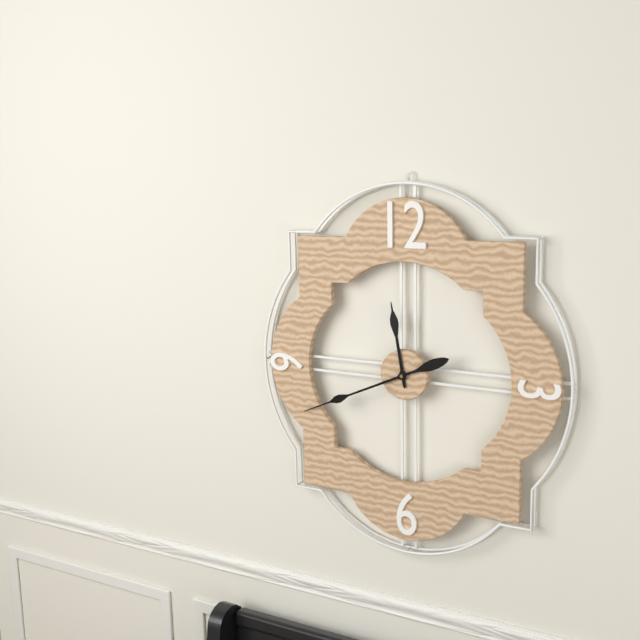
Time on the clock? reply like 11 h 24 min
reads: 11 h 41 min
